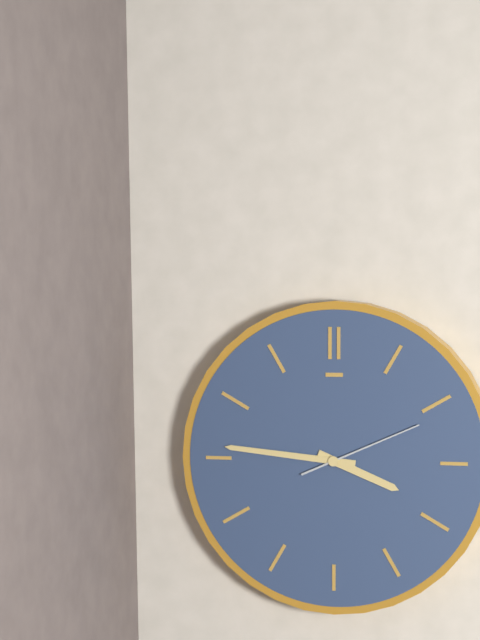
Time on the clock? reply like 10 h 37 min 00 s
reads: 3 h 46 min 11 s
